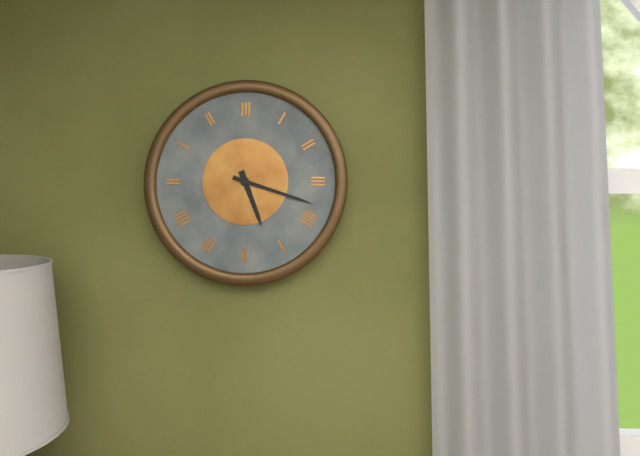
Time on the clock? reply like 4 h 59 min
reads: 5 h 18 min
